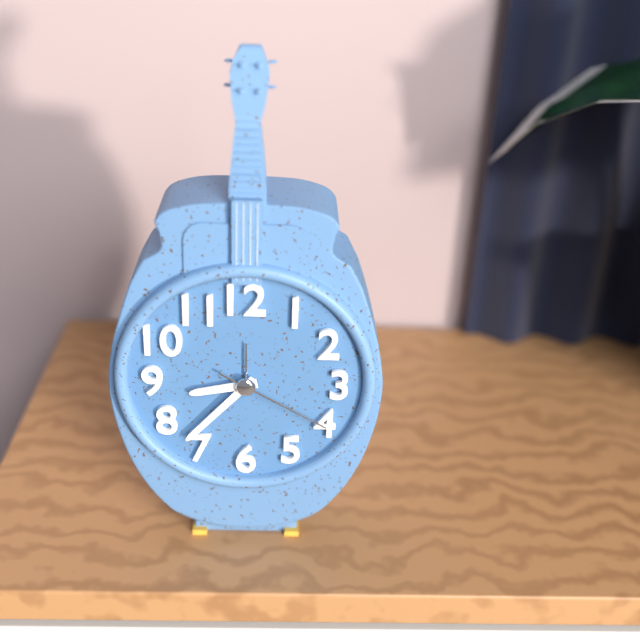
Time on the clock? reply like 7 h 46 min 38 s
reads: 8 h 37 min 20 s
